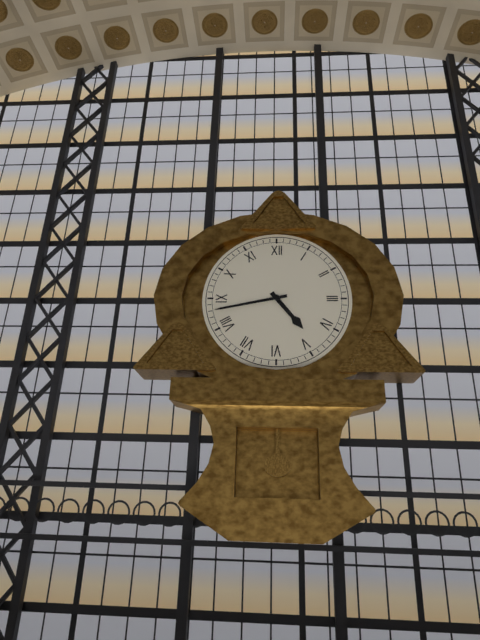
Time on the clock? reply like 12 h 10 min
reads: 4 h 43 min
